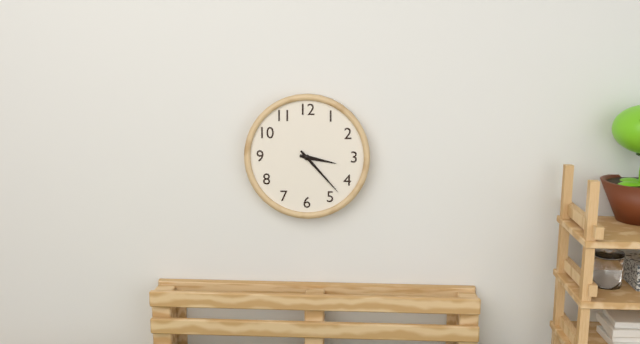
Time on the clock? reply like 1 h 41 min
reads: 3 h 23 min
